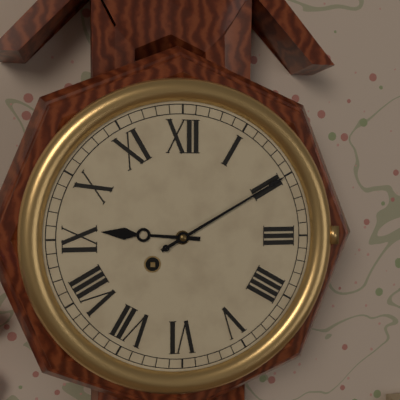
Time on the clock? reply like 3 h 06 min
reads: 9 h 10 min
